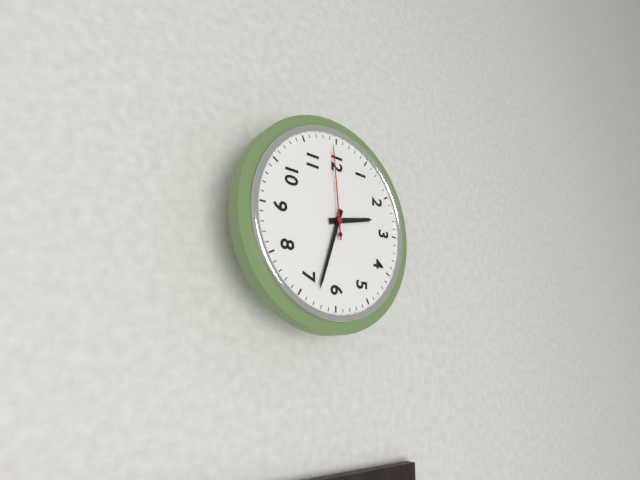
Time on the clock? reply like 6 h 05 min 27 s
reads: 2 h 33 min 59 s
